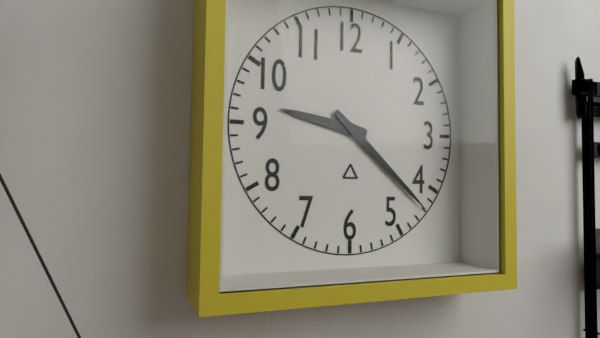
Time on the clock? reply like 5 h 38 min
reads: 9 h 22 min
